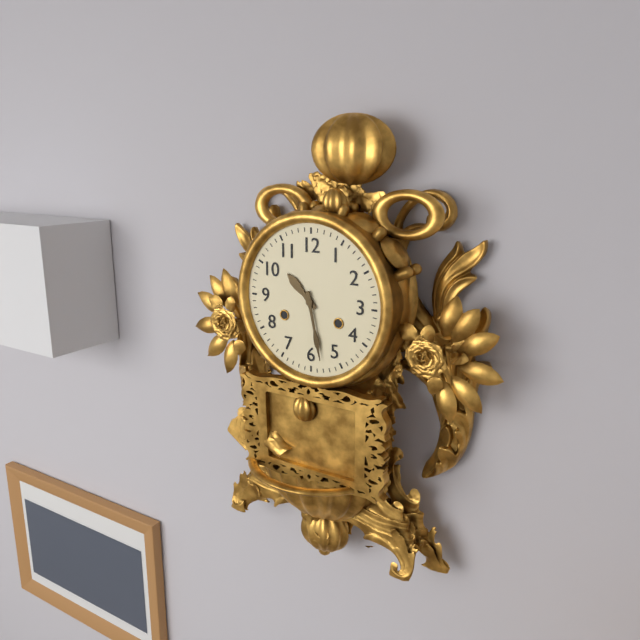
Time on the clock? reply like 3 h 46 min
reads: 10 h 28 min
